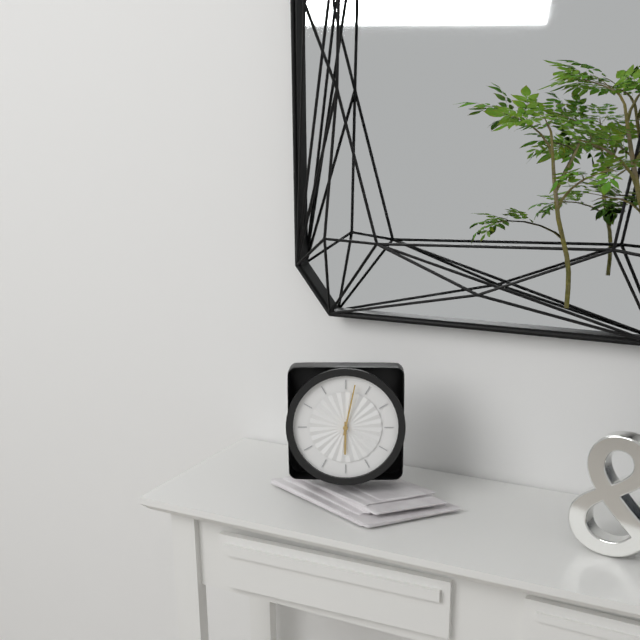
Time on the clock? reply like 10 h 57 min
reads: 6 h 02 min
